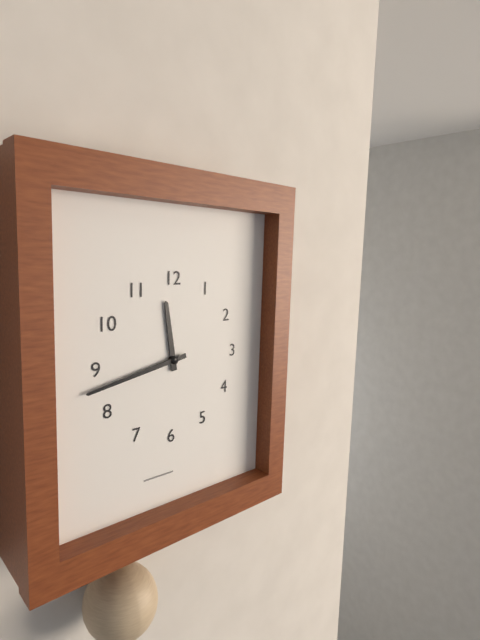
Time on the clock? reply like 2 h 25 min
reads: 11 h 43 min
